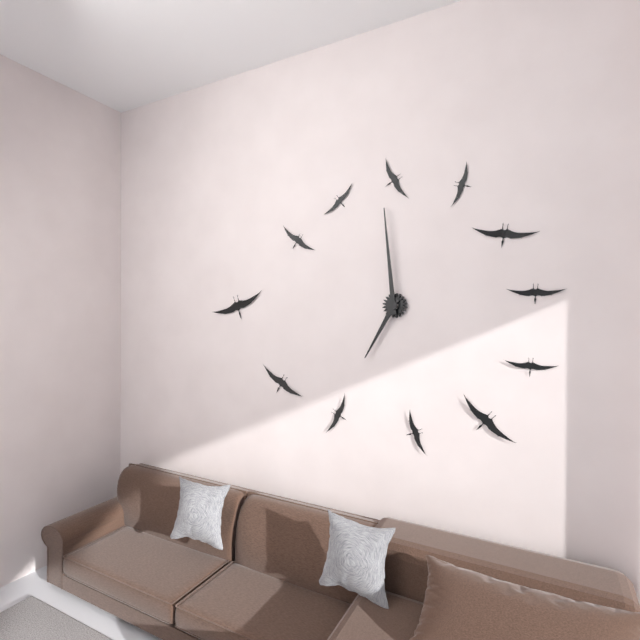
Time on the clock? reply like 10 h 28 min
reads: 6 h 59 min
